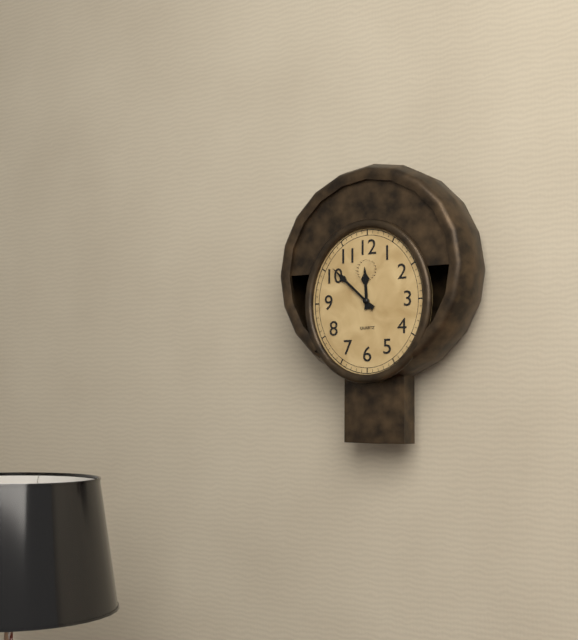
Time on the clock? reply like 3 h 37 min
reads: 11 h 52 min
